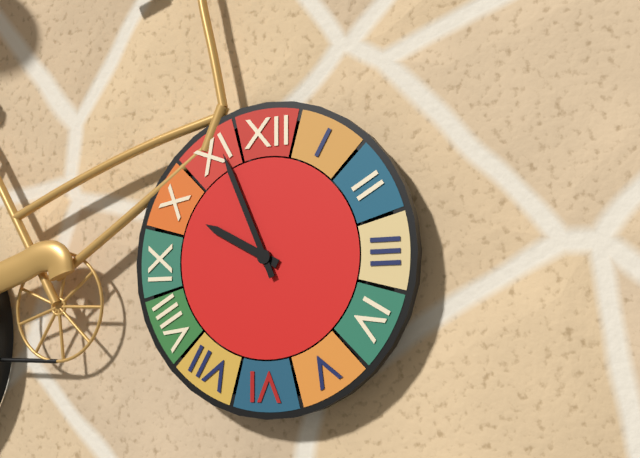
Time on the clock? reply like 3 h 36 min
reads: 9 h 56 min
